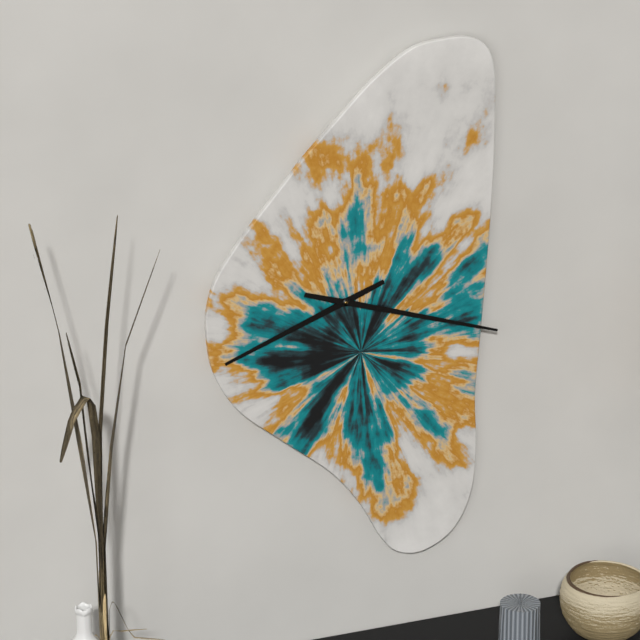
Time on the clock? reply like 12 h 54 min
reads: 8 h 18 min
